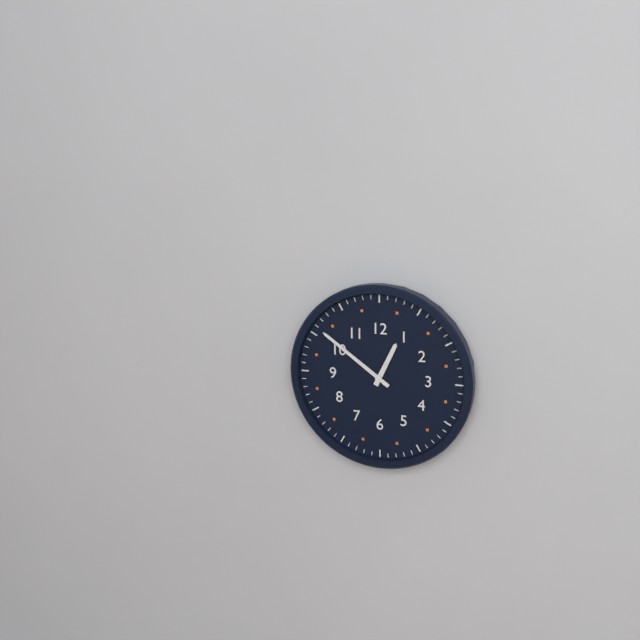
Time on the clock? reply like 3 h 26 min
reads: 12 h 51 min
